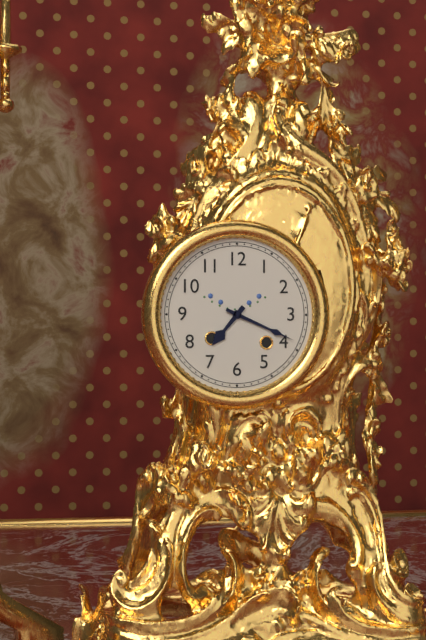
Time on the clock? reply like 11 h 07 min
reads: 7 h 19 min
